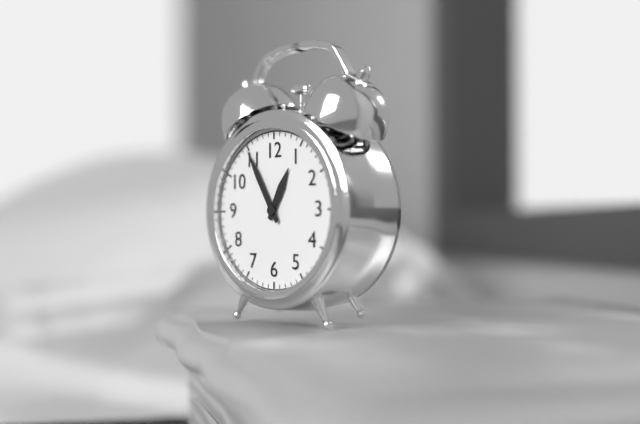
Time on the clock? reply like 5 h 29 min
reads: 12 h 55 min
